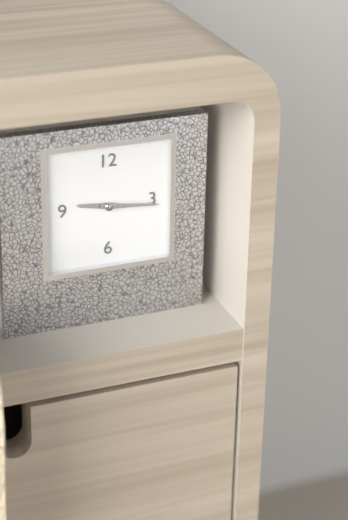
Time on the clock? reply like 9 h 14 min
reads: 9 h 16 min
